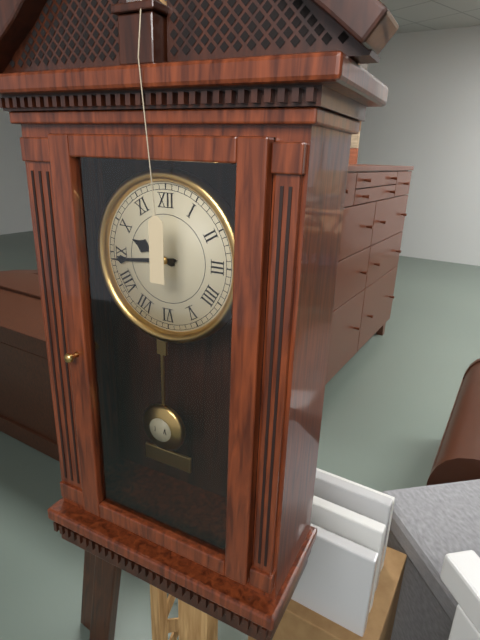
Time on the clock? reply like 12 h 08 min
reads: 9 h 44 min
